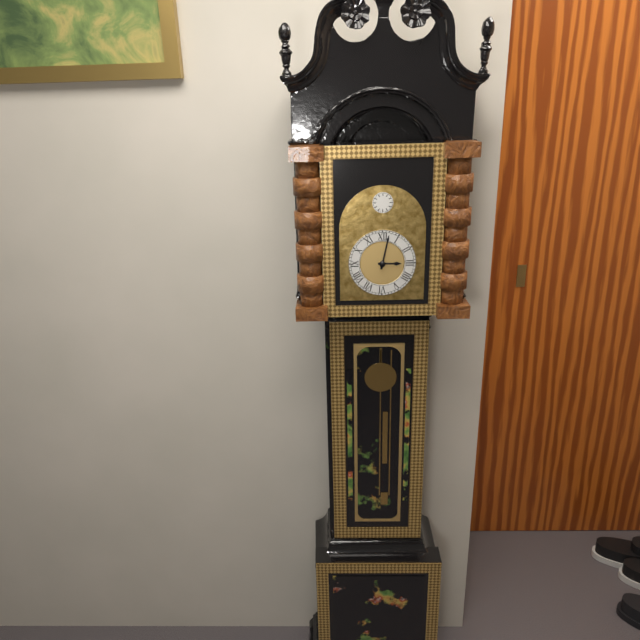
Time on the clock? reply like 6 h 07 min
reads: 3 h 02 min
